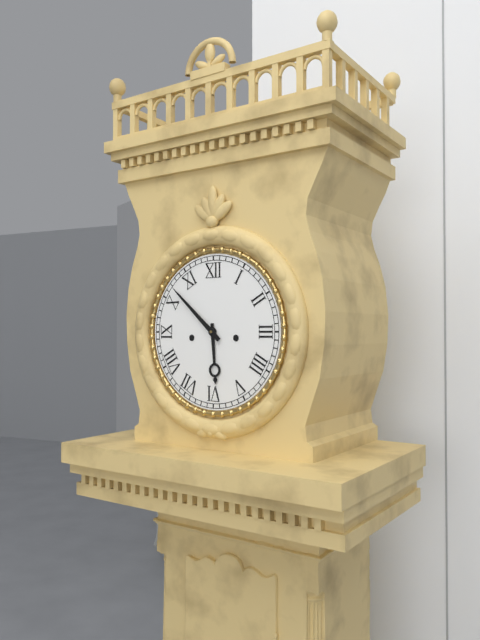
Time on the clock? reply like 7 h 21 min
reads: 5 h 52 min
